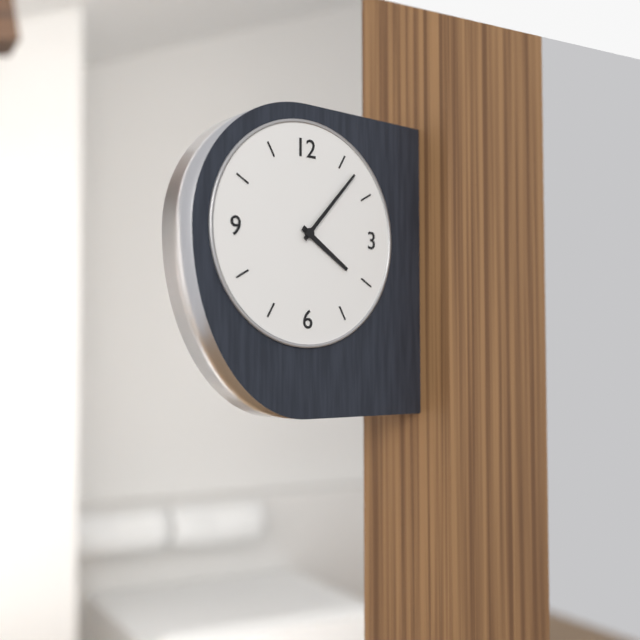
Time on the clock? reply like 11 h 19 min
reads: 4 h 07 min
